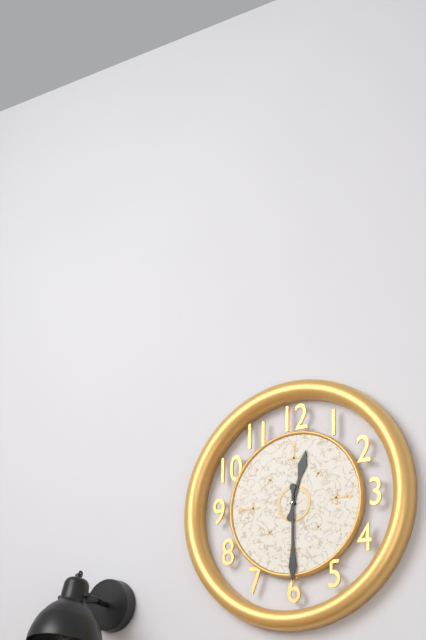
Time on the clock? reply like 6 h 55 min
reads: 12 h 30 min
